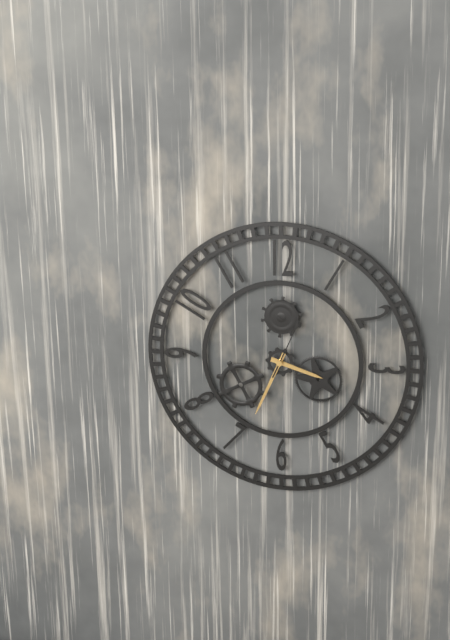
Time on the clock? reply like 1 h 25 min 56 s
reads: 3 h 34 min 04 s
